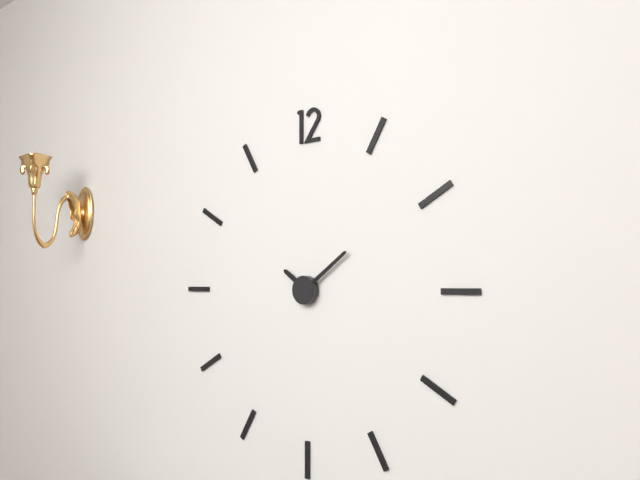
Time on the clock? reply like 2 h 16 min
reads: 10 h 09 min
